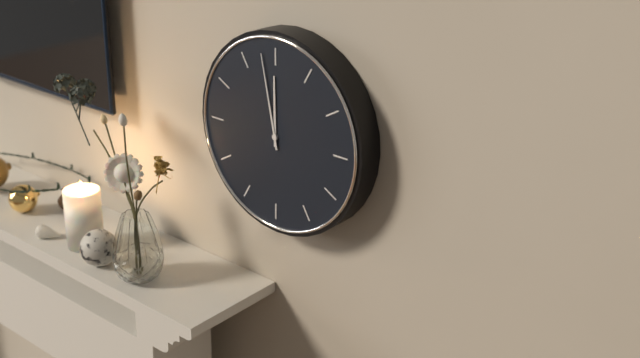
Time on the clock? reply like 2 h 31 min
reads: 11 h 58 min
